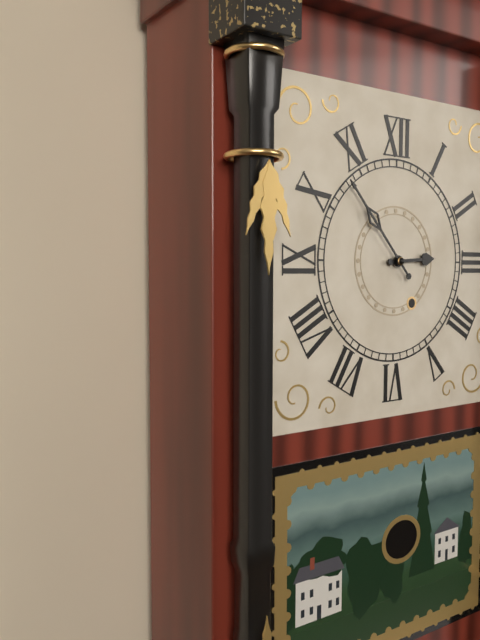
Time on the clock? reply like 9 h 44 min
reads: 2 h 53 min
